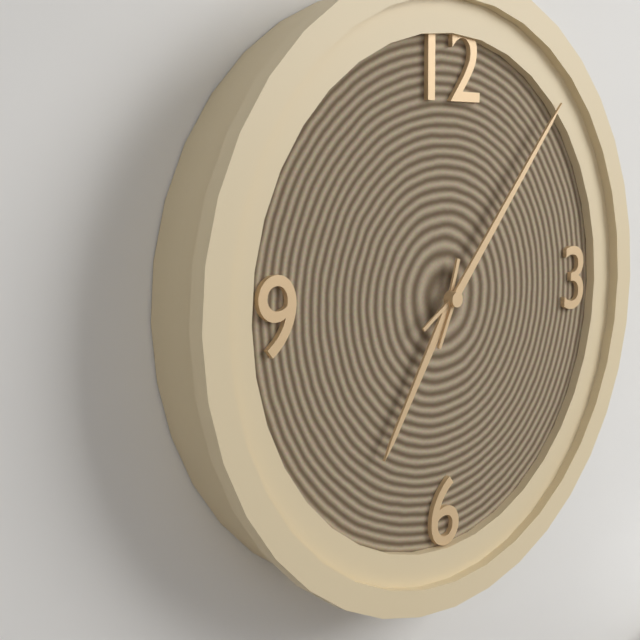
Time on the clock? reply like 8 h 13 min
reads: 7 h 07 min
